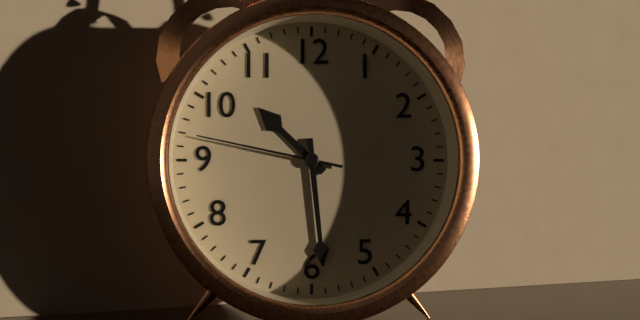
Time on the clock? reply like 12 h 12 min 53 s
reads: 10 h 29 min 47 s
